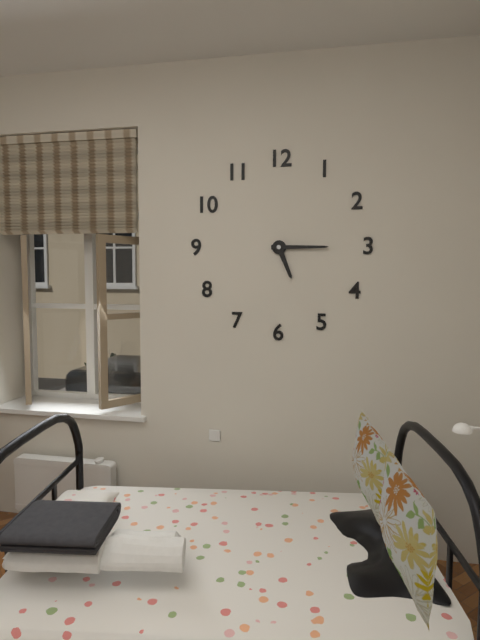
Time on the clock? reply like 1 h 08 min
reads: 5 h 15 min
